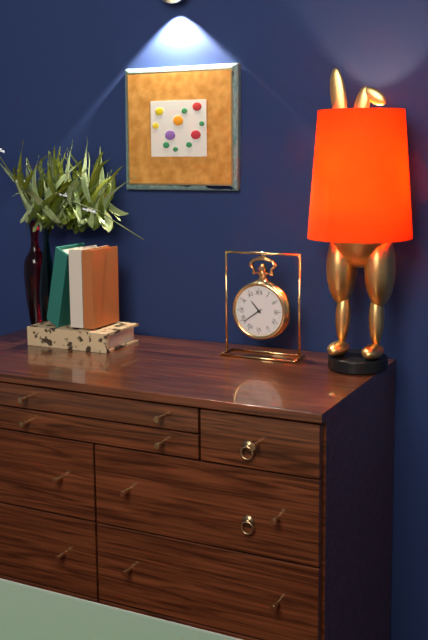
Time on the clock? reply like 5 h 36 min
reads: 10 h 39 min
